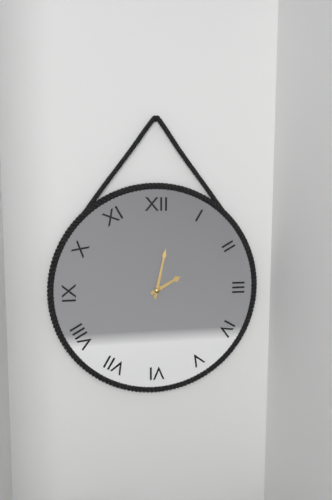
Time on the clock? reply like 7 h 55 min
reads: 2 h 02 min
